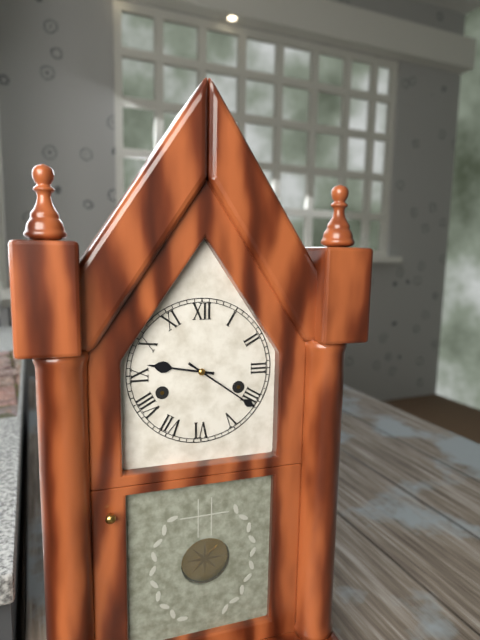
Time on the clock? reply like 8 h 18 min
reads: 9 h 21 min
